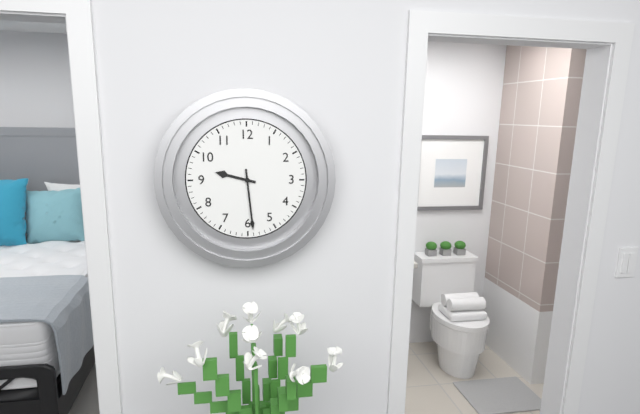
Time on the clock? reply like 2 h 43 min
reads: 9 h 29 min
